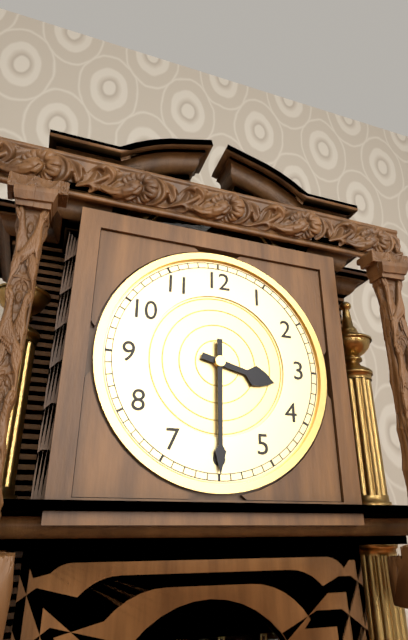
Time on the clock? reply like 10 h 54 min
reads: 3 h 30 min
